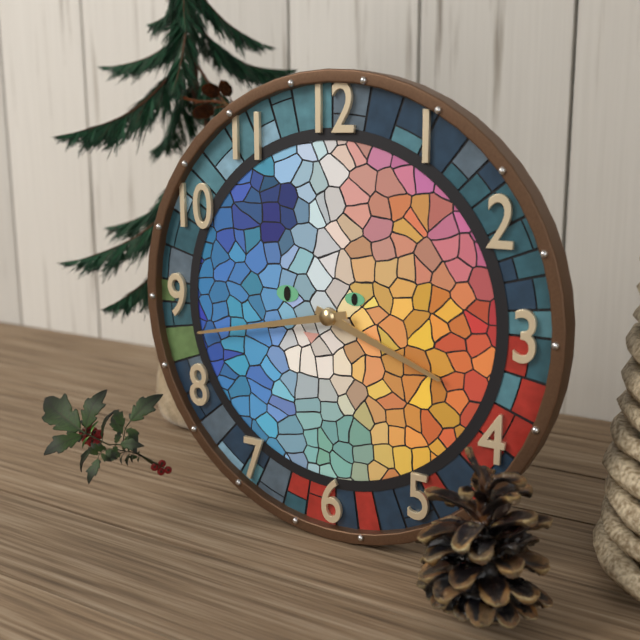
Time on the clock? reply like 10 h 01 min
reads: 3 h 43 min
